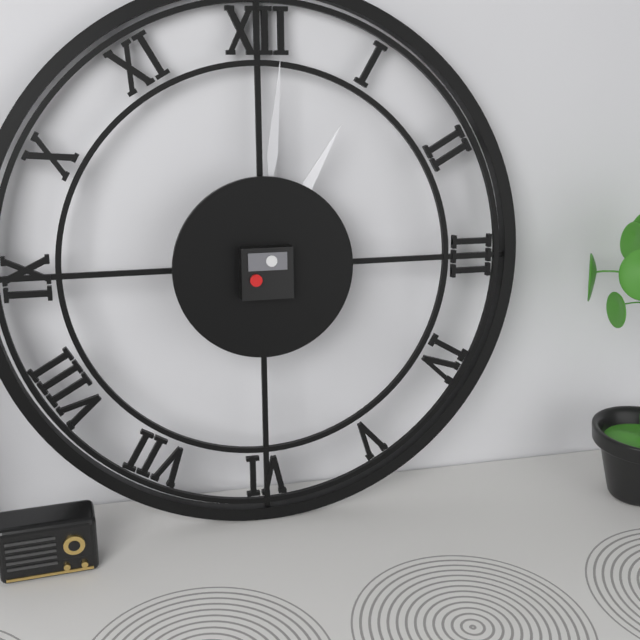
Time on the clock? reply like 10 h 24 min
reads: 1 h 01 min
